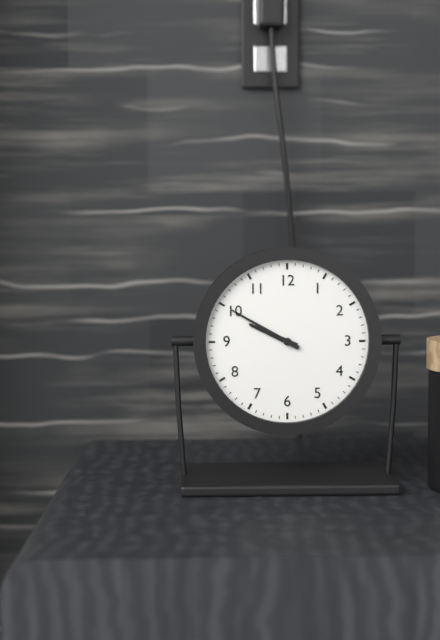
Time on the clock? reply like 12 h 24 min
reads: 9 h 50 min
